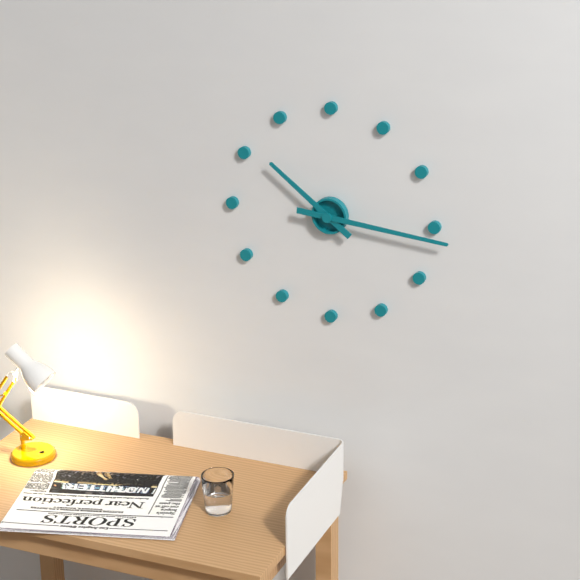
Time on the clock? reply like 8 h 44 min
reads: 10 h 16 min
